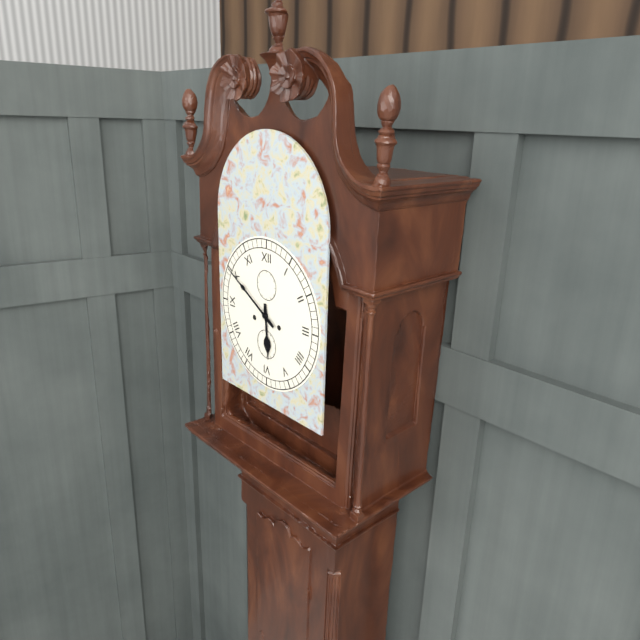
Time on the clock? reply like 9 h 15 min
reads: 5 h 50 min
